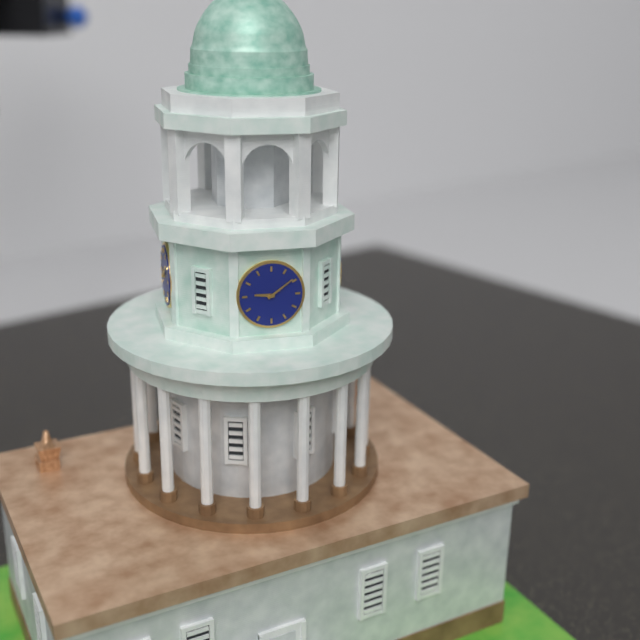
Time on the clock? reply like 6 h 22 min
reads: 9 h 09 min
